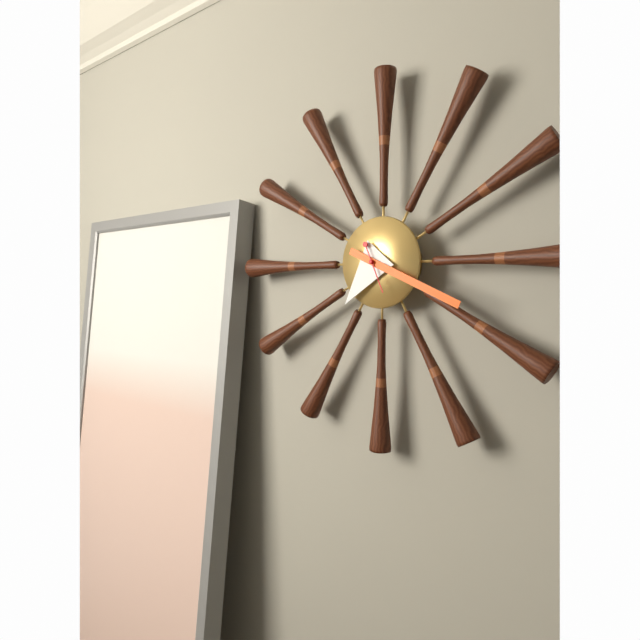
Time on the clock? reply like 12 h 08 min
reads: 7 h 19 min
